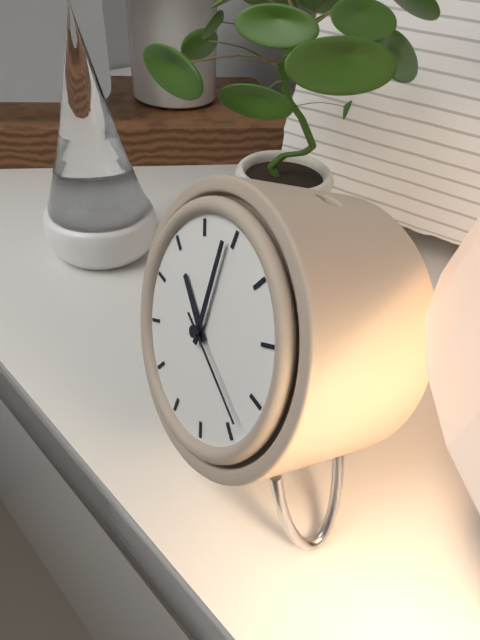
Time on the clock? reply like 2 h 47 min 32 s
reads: 9 h 59 min 18 s
